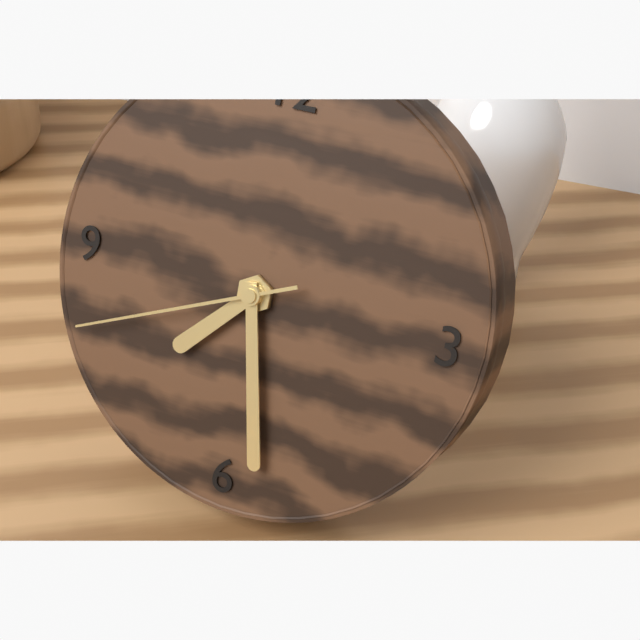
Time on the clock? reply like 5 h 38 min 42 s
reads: 7 h 28 min 41 s
